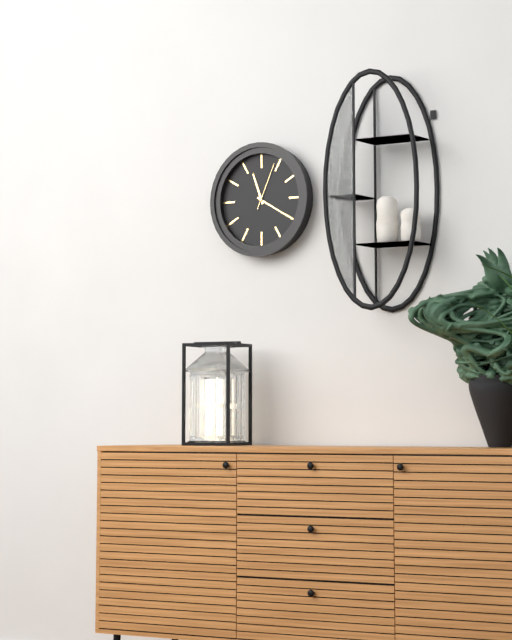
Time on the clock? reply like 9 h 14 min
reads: 11 h 20 min
